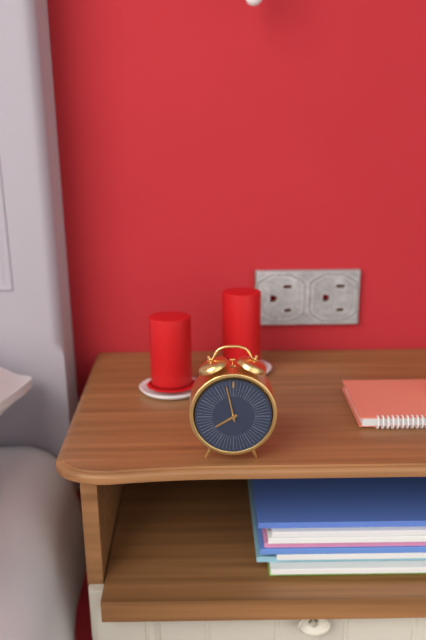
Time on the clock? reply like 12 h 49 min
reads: 7 h 58 min
